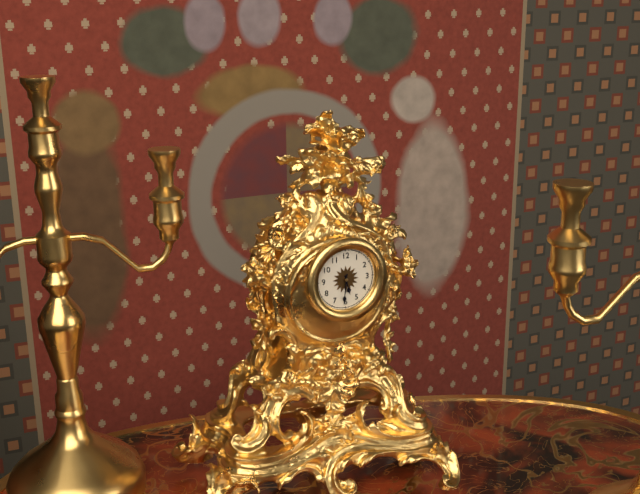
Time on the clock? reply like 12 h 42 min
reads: 5 h 31 min
